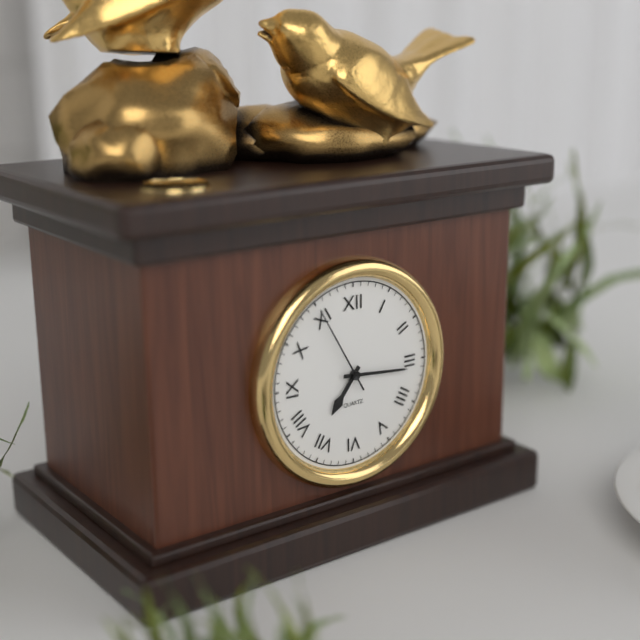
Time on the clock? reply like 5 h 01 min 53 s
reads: 7 h 16 min 55 s
